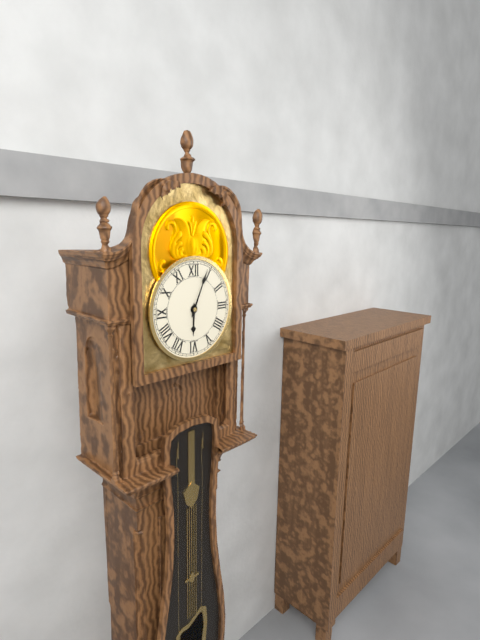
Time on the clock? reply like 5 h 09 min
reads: 6 h 04 min
